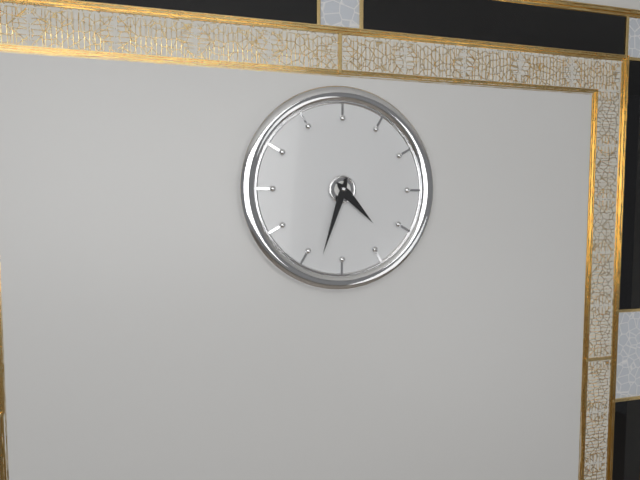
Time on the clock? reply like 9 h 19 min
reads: 4 h 33 min
